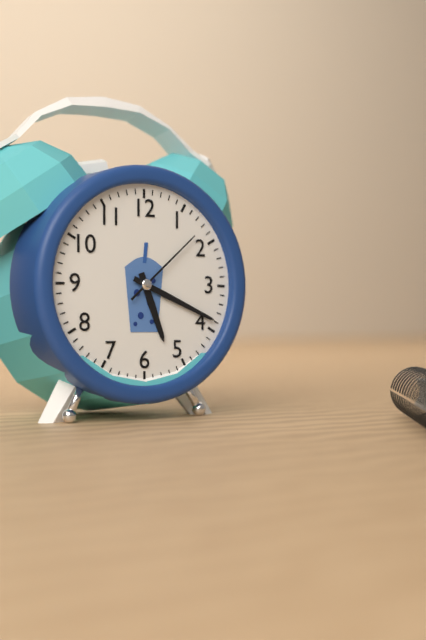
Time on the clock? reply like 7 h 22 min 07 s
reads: 5 h 19 min 08 s
